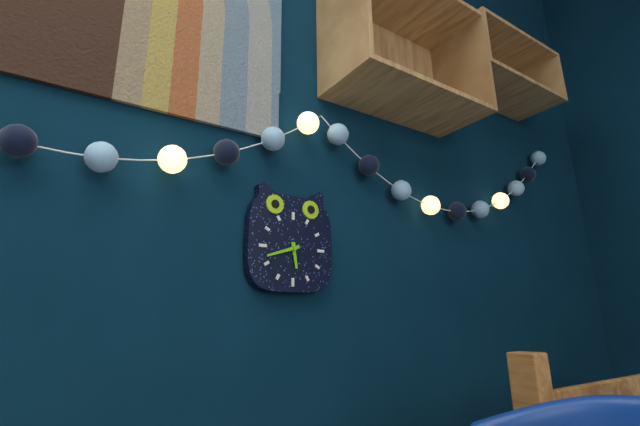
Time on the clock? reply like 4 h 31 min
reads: 5 h 42 min
